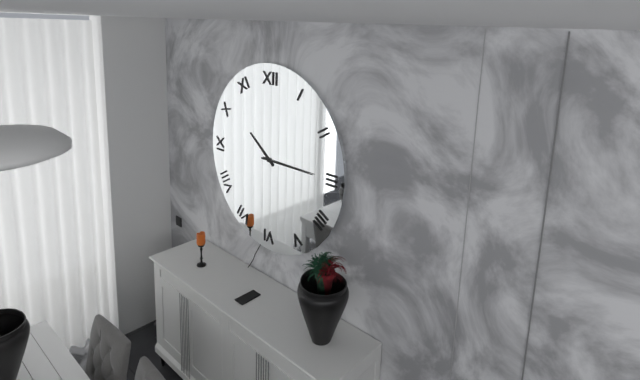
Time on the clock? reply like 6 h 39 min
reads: 10 h 15 min
